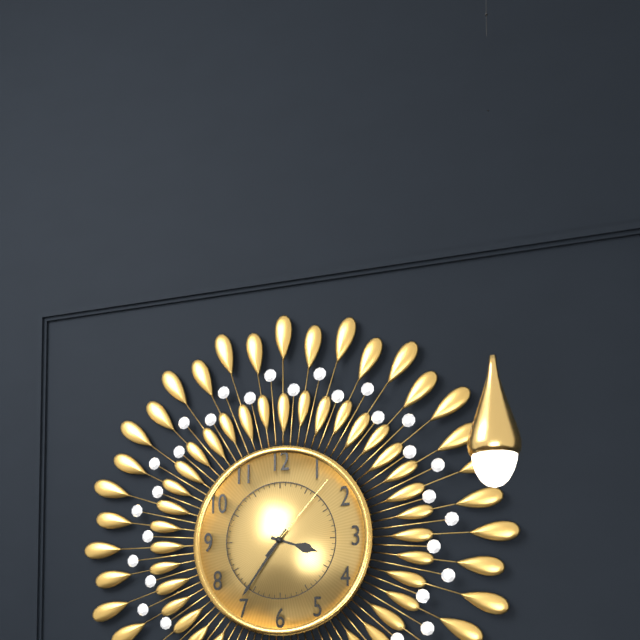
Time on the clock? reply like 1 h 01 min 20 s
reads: 3 h 36 min 07 s
